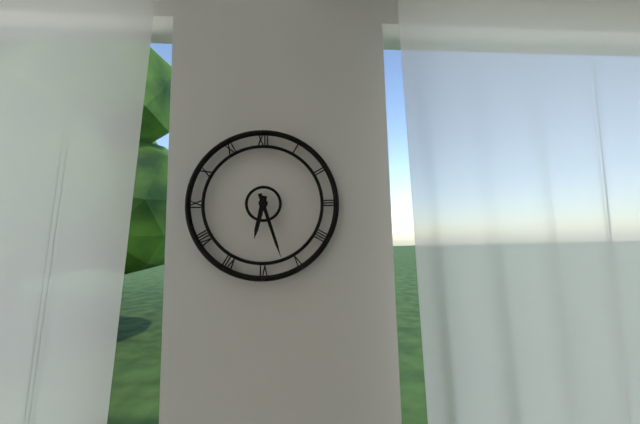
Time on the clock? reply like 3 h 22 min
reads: 6 h 27 min
